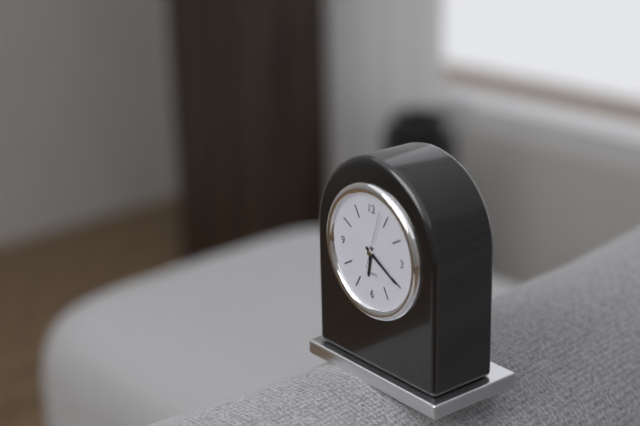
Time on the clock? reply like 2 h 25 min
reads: 6 h 20 min
